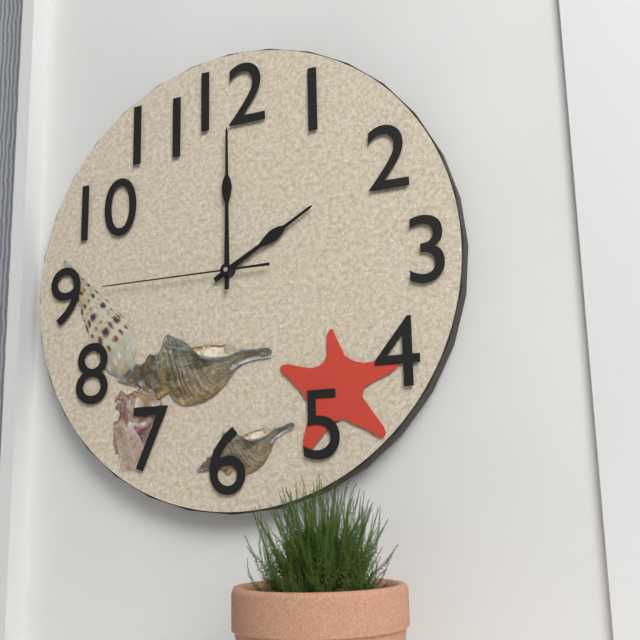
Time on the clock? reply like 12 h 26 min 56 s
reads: 2 h 00 min 45 s
